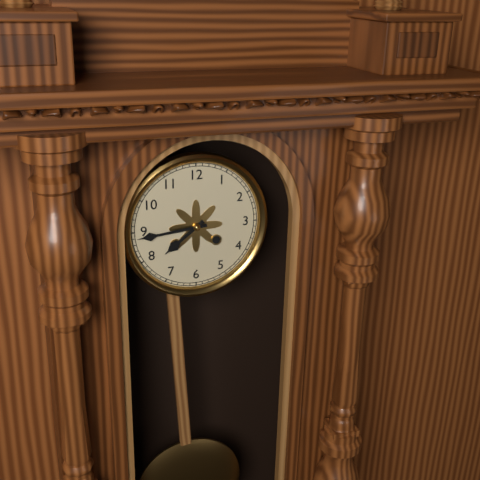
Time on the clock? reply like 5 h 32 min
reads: 7 h 44 min
